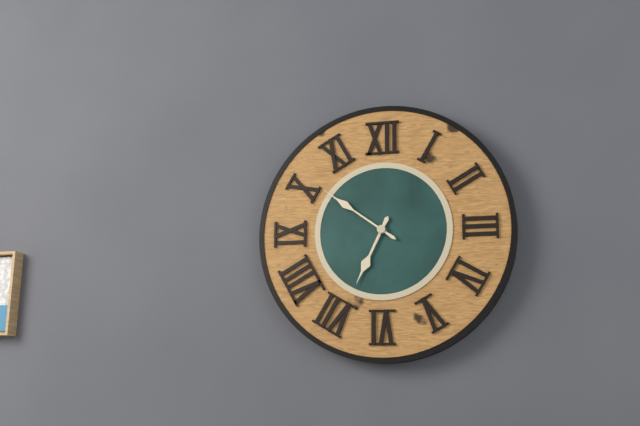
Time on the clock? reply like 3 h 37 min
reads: 6 h 51 min
